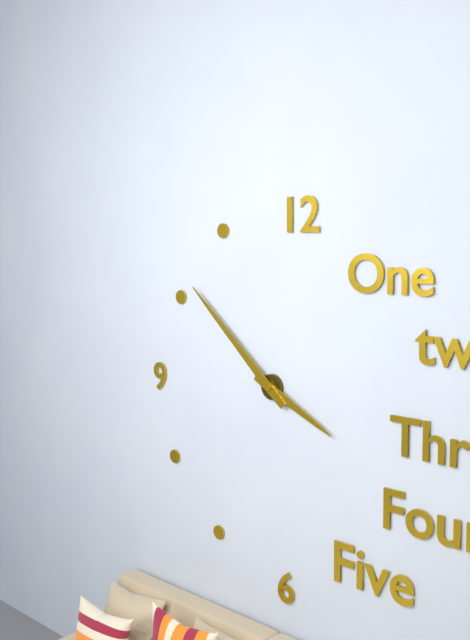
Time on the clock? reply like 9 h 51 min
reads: 3 h 52 min
